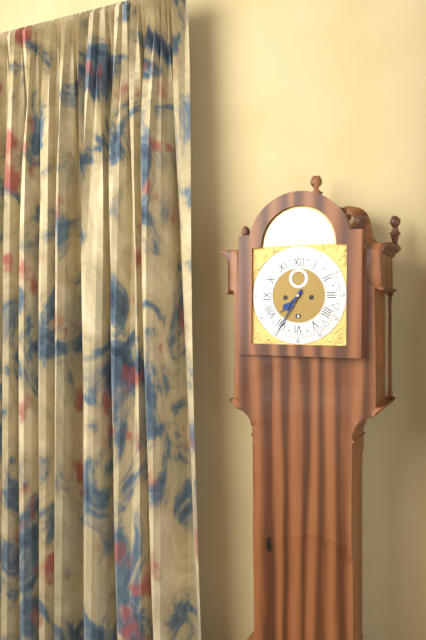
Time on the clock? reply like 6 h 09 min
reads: 7 h 35 min
